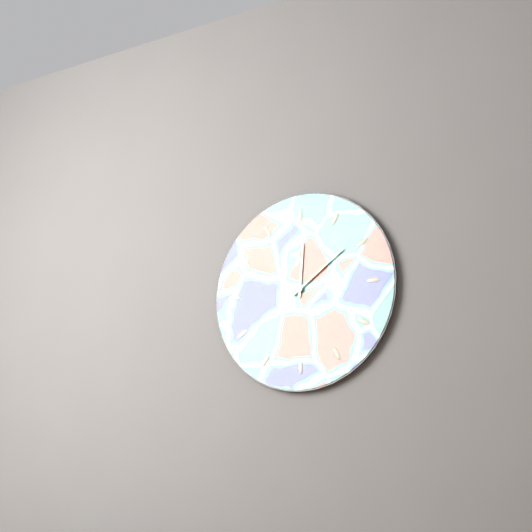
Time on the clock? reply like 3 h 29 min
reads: 12 h 09 min
